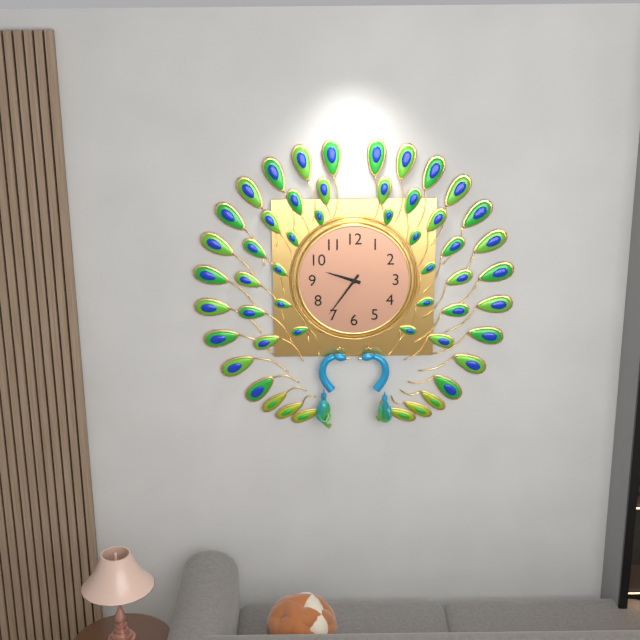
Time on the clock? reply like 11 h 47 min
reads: 9 h 36 min
